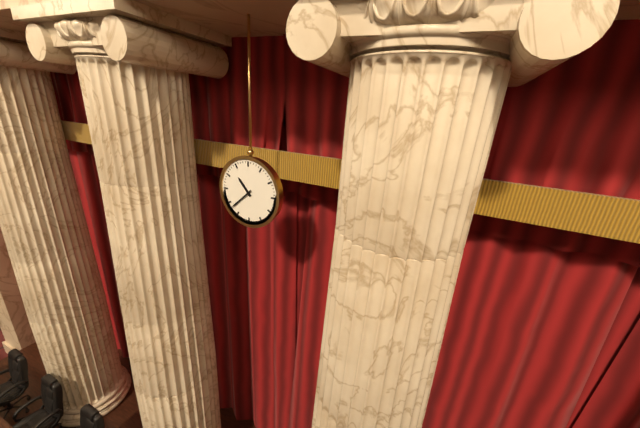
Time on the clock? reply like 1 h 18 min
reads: 10 h 38 min
